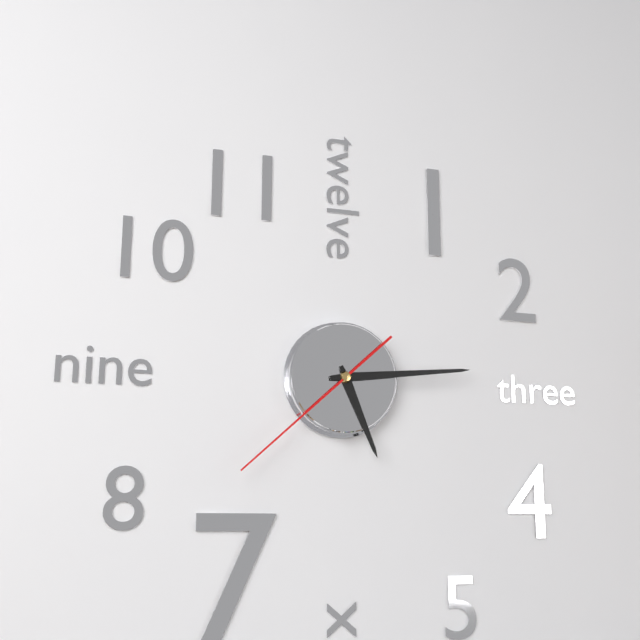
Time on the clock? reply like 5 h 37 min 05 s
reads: 5 h 14 min 38 s
